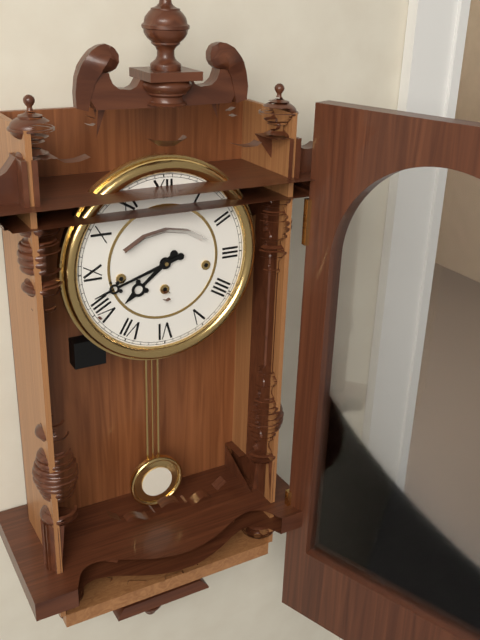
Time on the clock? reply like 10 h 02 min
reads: 7 h 42 min
